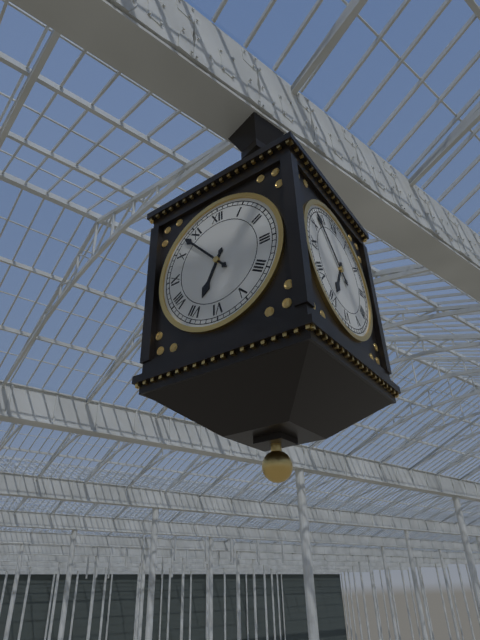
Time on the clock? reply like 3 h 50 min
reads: 6 h 53 min
